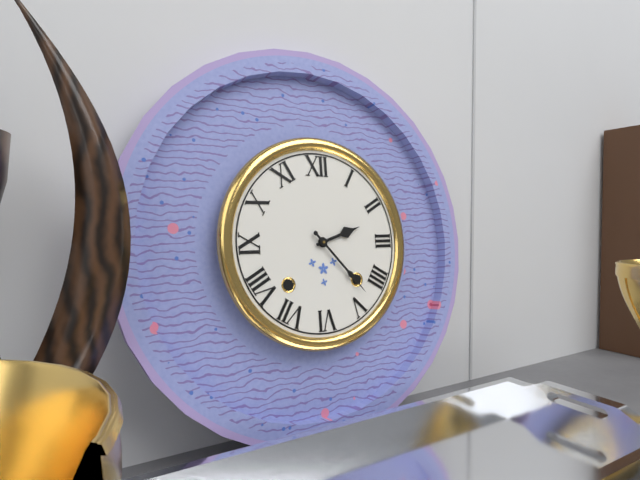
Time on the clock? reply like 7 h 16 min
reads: 2 h 23 min
